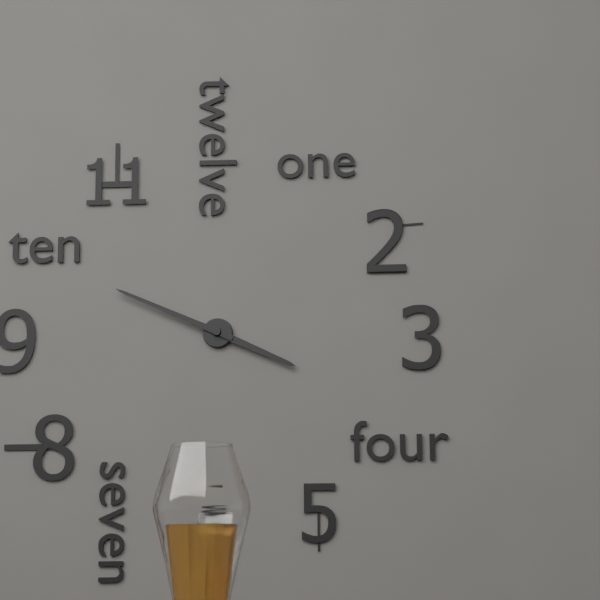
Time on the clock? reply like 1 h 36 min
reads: 3 h 49 min
